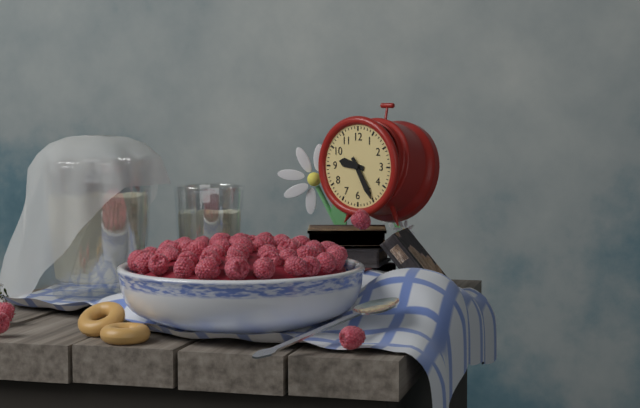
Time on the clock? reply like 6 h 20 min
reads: 9 h 25 min
